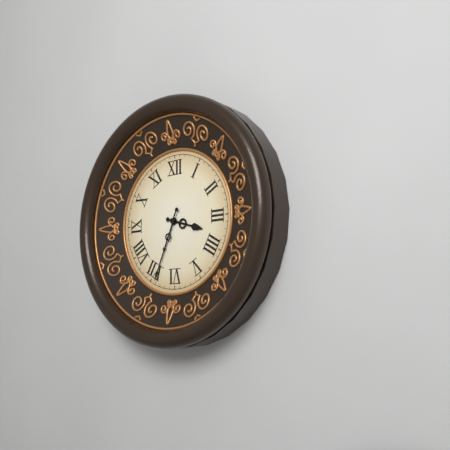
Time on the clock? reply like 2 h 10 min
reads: 3 h 34 min
